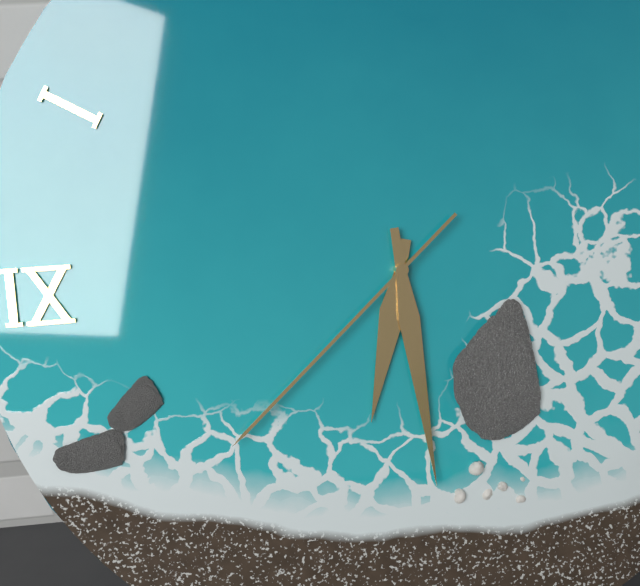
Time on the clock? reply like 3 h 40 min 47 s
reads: 6 h 29 min 38 s
